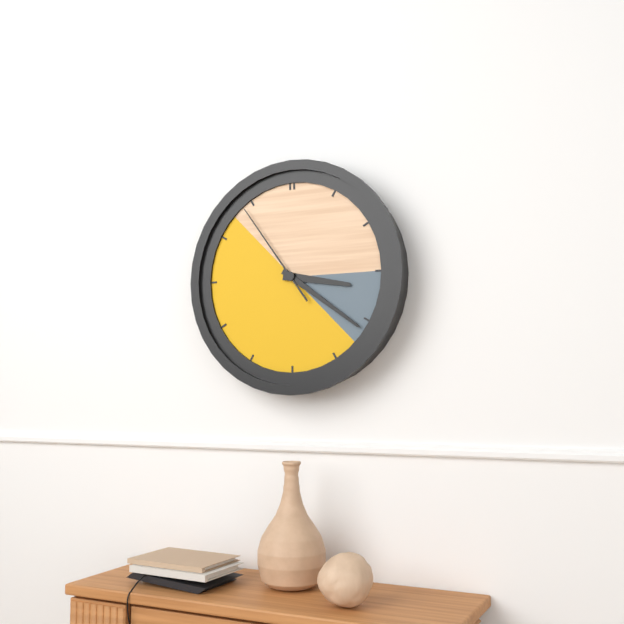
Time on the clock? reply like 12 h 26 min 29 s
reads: 3 h 21 min 54 s
